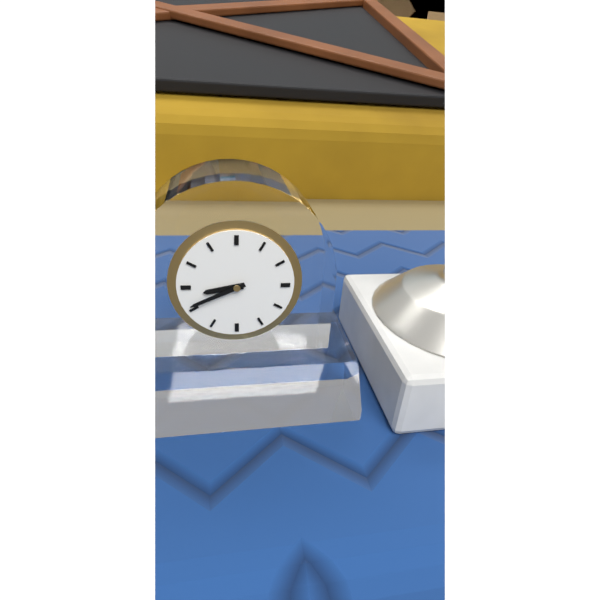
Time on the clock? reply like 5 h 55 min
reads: 8 h 41 min
